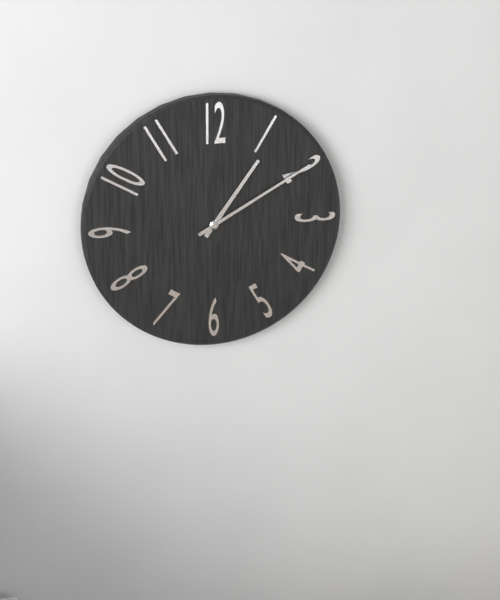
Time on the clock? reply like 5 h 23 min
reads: 1 h 10 min
